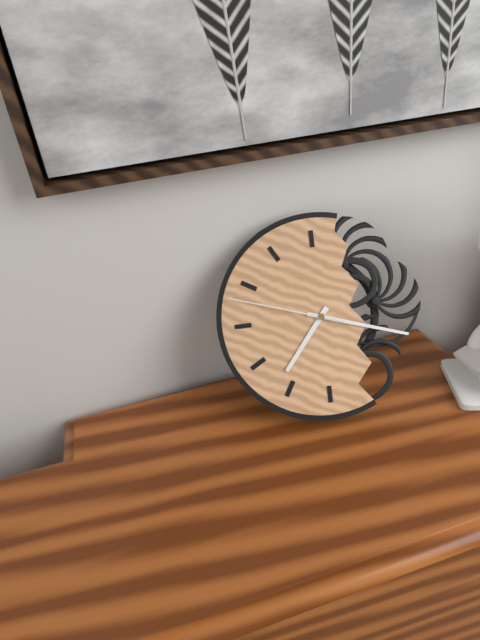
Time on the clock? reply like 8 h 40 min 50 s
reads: 7 h 18 min 48 s
